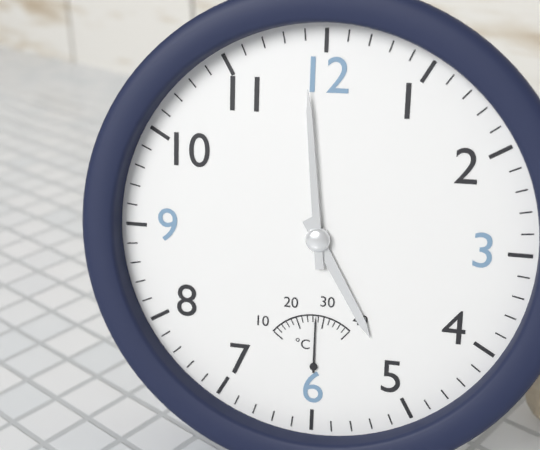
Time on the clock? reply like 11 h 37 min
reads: 4 h 59 min
